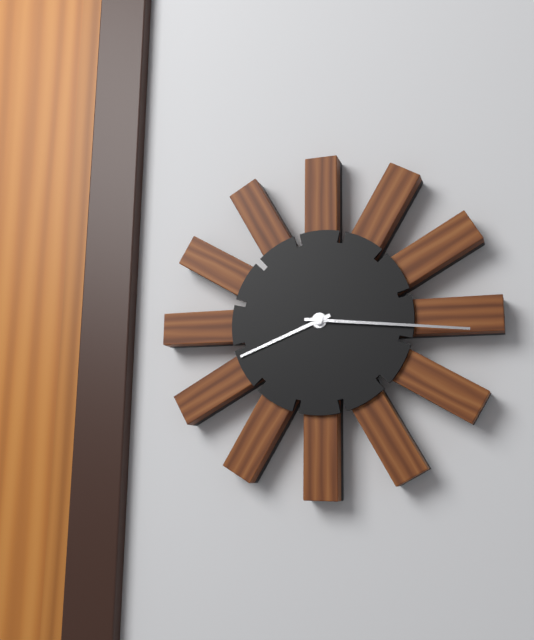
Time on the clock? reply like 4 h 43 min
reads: 8 h 16 min
